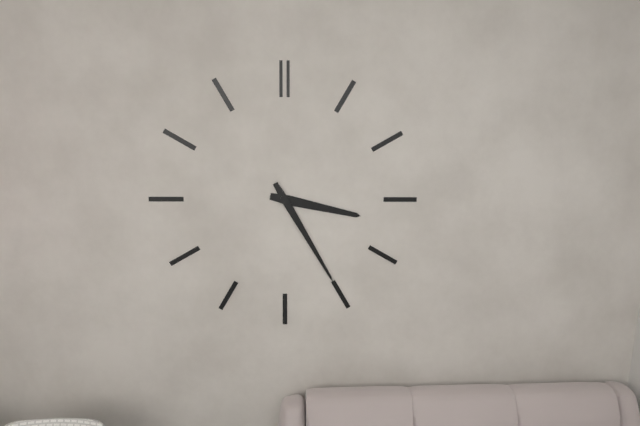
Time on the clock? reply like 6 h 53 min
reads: 3 h 25 min
